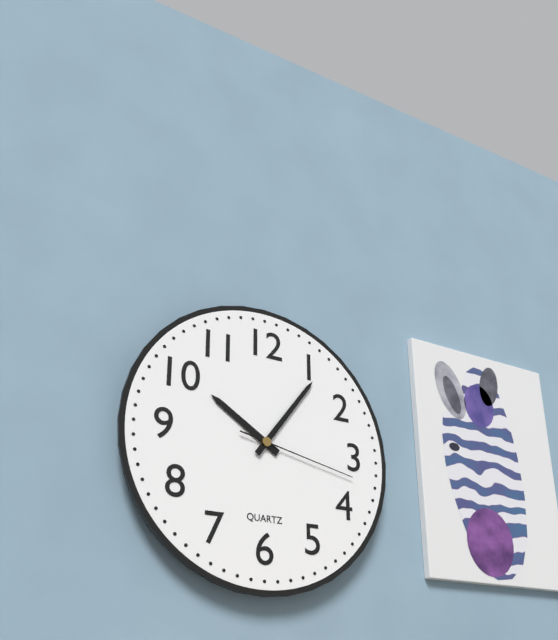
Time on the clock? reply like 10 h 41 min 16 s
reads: 10 h 06 min 17 s
